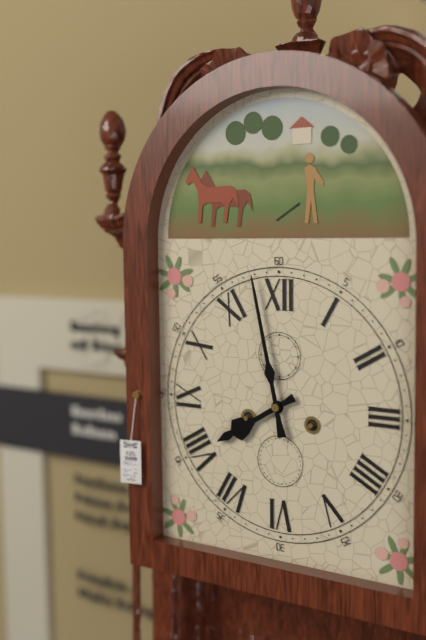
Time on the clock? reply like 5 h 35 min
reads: 7 h 58 min
